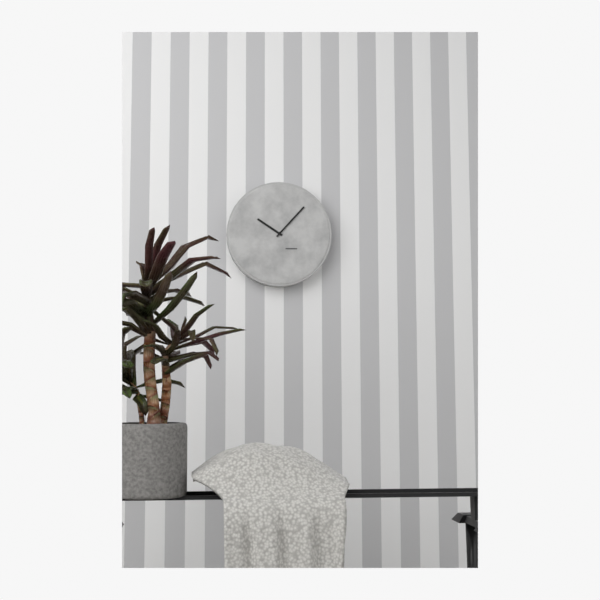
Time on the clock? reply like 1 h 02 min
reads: 10 h 07 min
